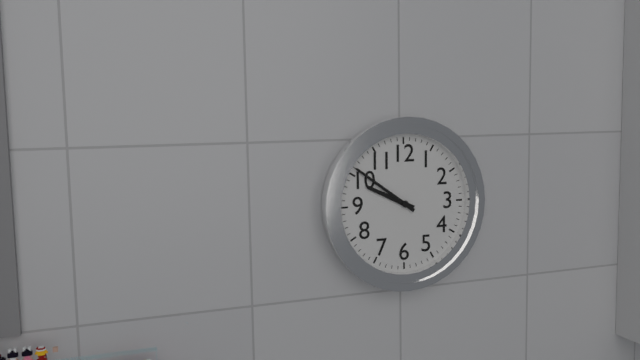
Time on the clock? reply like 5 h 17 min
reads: 9 h 51 min
